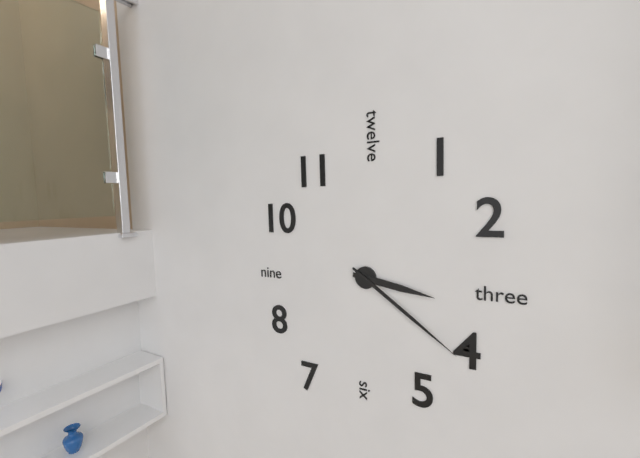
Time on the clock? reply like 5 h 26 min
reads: 3 h 21 min
